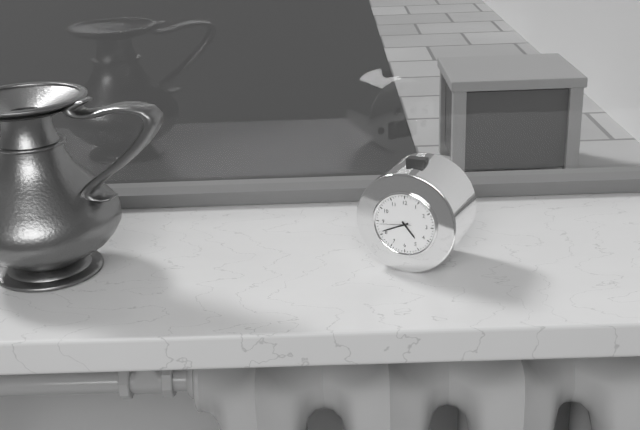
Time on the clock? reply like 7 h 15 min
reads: 4 h 41 min
